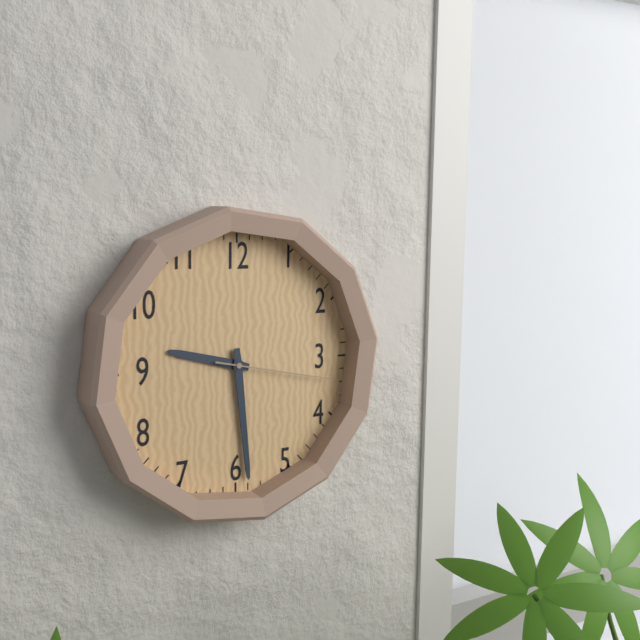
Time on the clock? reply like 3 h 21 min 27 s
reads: 9 h 29 min 17 s
